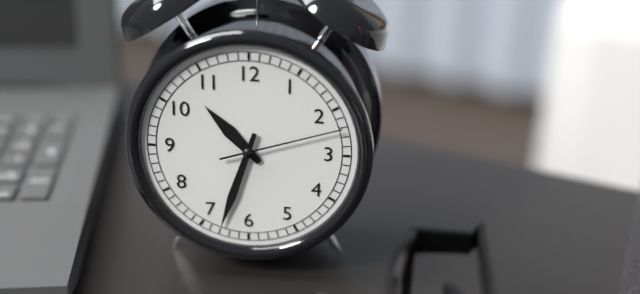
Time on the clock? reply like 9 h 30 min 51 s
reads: 10 h 33 min 12 s
